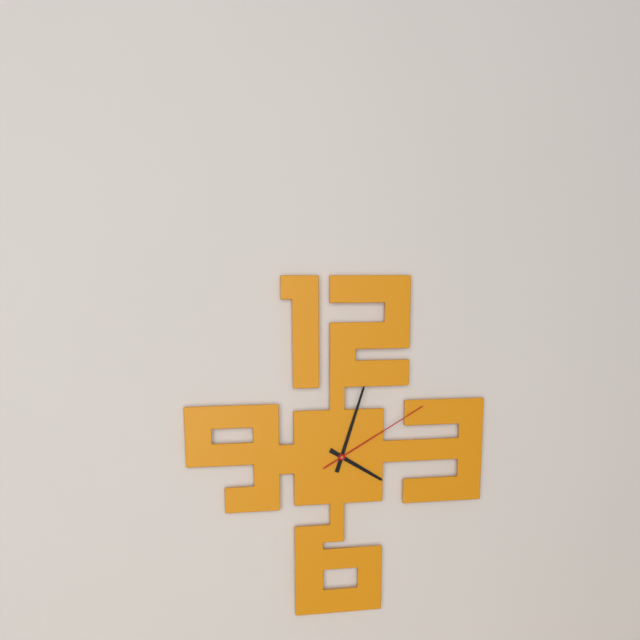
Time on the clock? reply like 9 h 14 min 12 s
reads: 4 h 03 min 10 s
